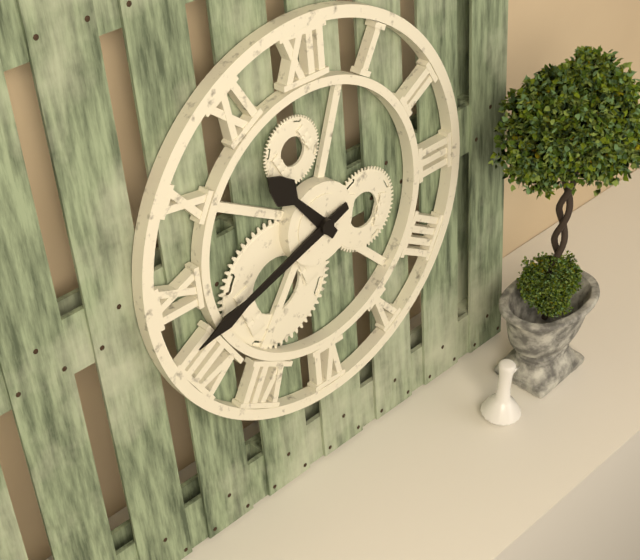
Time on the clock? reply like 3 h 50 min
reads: 10 h 42 min
